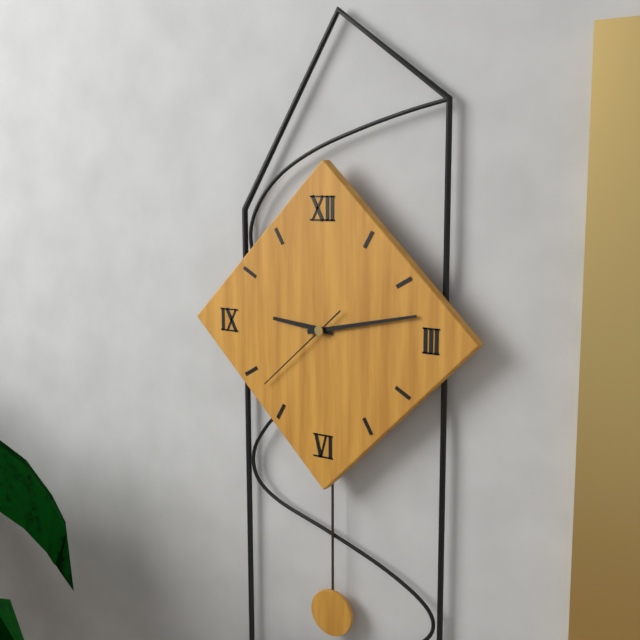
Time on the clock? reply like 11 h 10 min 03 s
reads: 9 h 13 min 38 s
